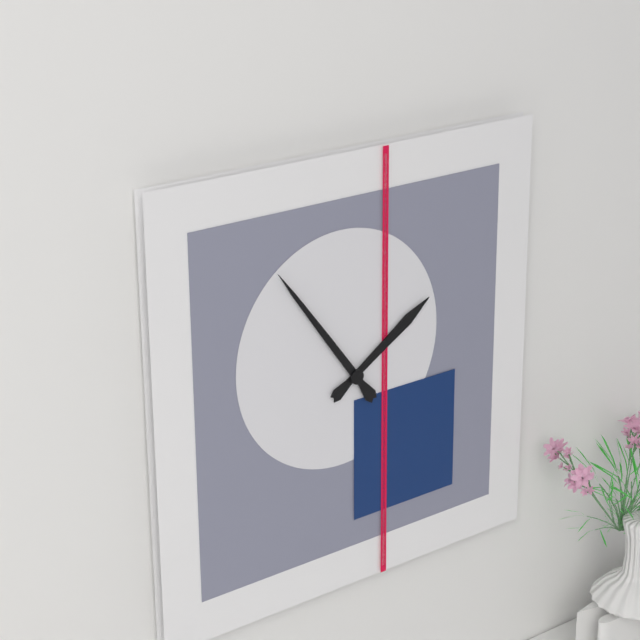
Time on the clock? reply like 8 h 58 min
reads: 1 h 54 min
